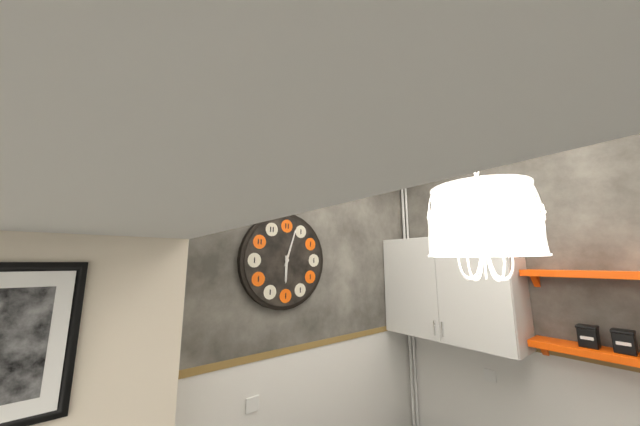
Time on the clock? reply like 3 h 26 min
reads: 6 h 03 min
